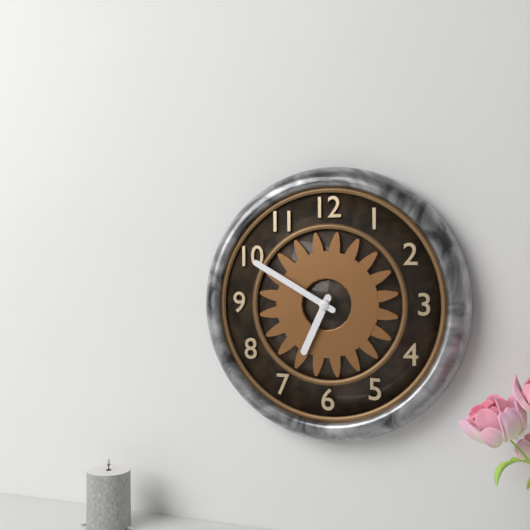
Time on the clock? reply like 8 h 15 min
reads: 6 h 50 min
